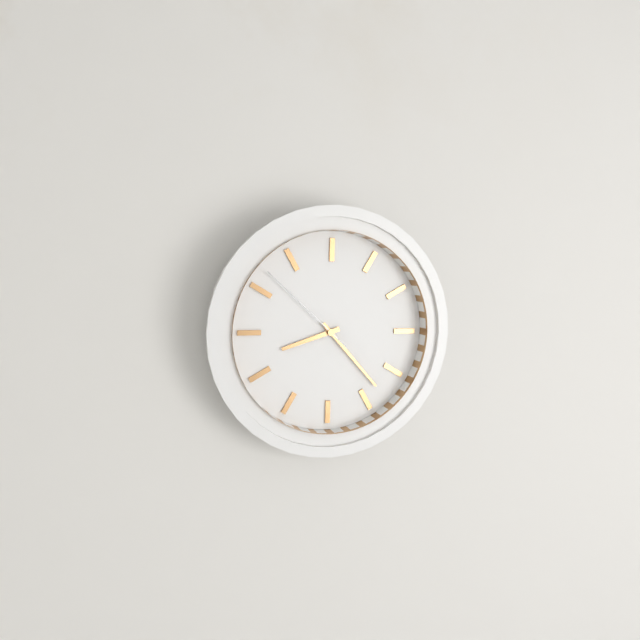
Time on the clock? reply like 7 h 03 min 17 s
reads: 8 h 23 min 52 s
